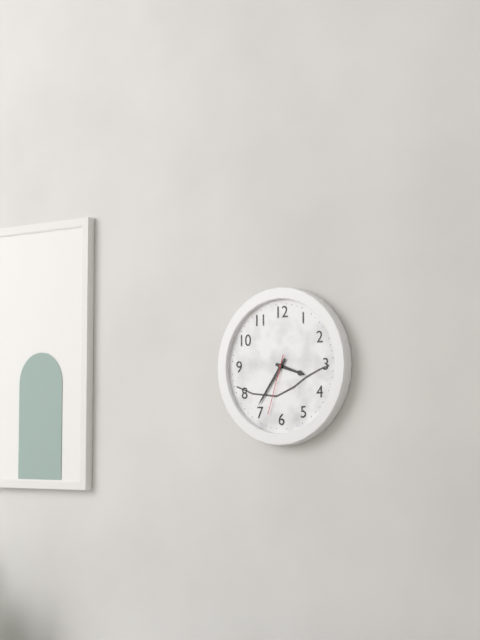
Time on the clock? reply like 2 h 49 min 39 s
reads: 3 h 36 min 33 s
